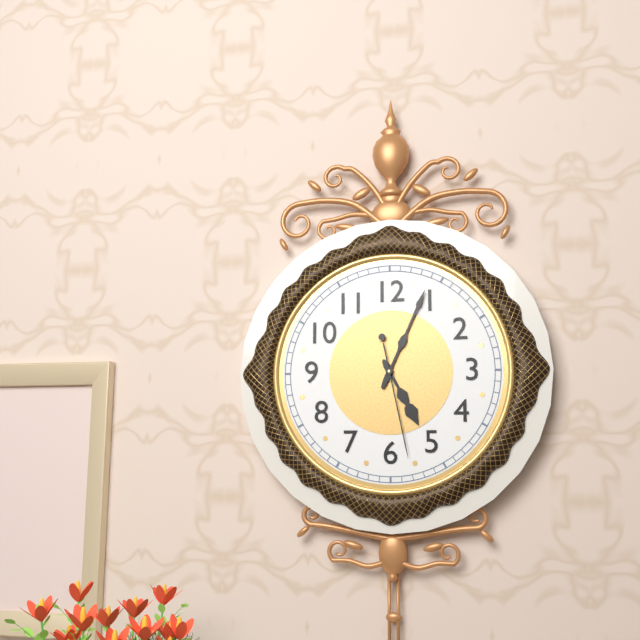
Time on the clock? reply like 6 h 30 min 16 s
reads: 5 h 04 min 28 s
